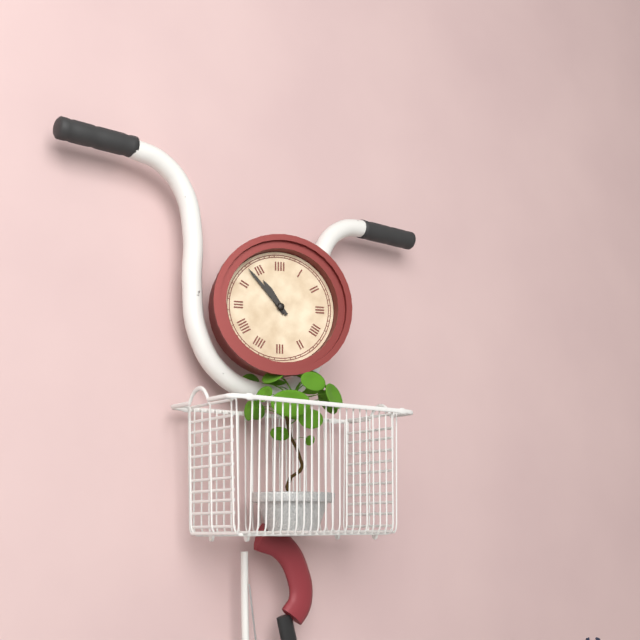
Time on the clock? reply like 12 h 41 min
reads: 10 h 53 min
